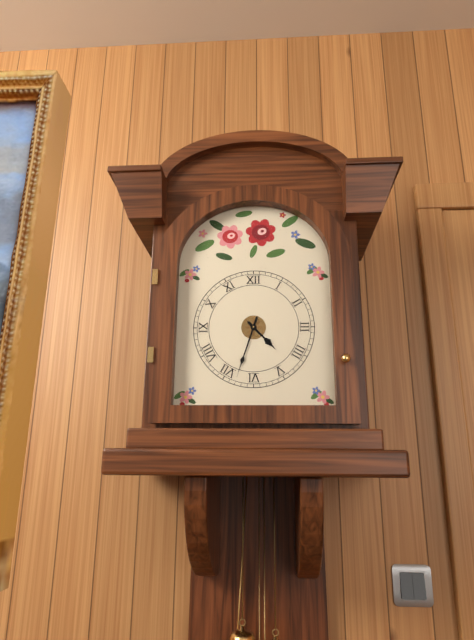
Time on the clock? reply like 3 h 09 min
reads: 4 h 33 min
